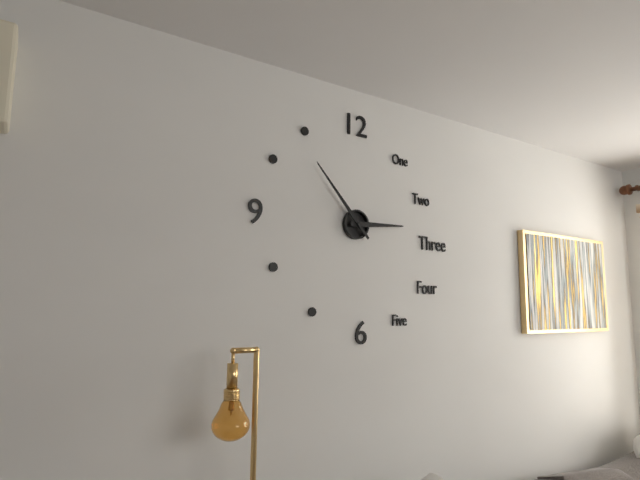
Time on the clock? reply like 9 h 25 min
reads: 2 h 53 min
